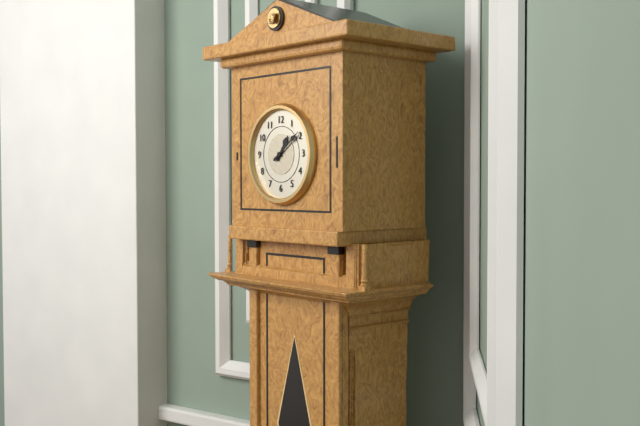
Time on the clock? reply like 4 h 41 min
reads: 1 h 09 min
